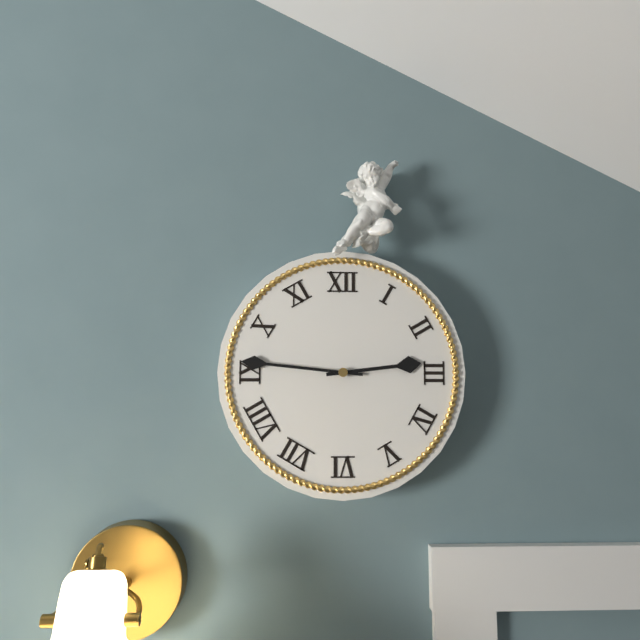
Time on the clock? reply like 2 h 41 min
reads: 2 h 46 min
